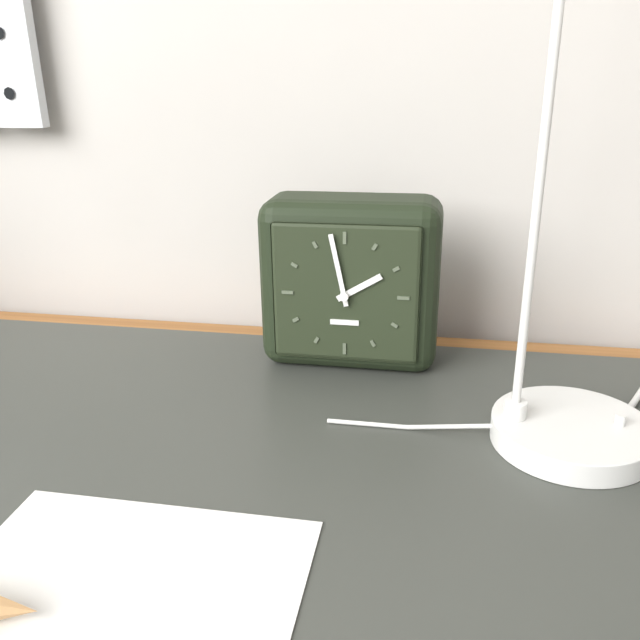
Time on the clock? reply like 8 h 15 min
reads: 1 h 58 min
